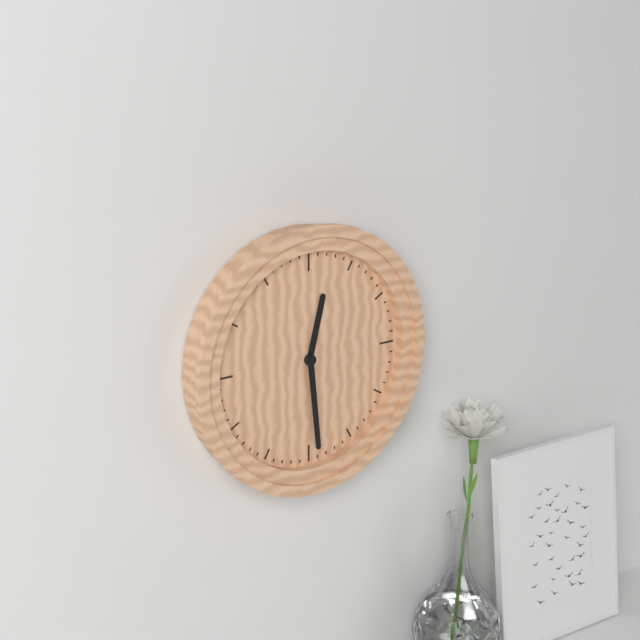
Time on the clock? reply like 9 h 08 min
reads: 12 h 29 min
